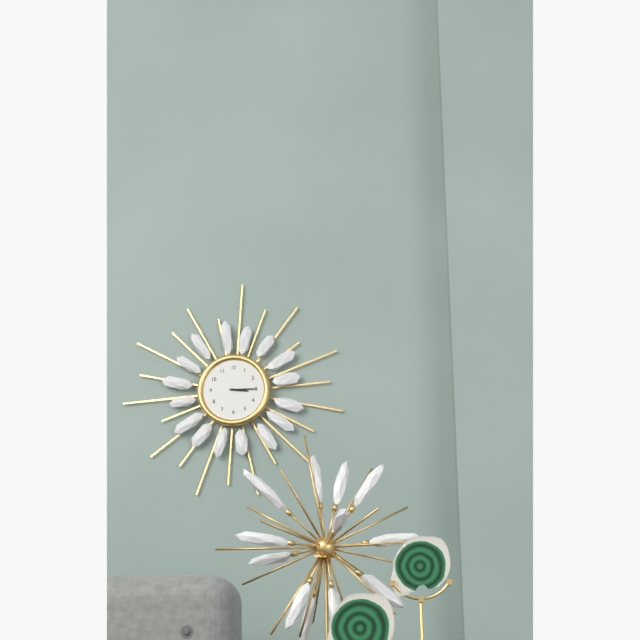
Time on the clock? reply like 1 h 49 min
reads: 3 h 15 min
